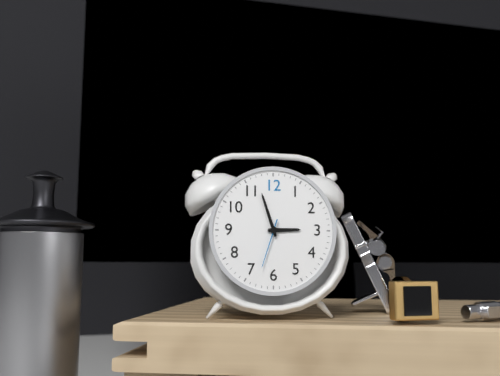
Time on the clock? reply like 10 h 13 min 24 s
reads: 2 h 57 min 33 s
